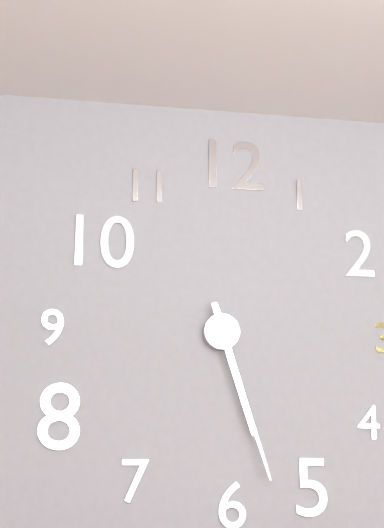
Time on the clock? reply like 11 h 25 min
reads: 5 h 27 min
